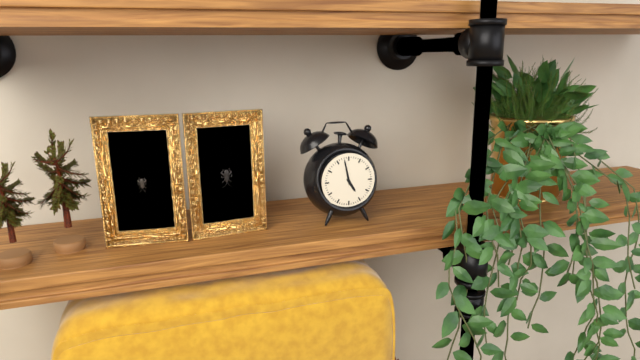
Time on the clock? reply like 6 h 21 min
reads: 4 h 58 min
